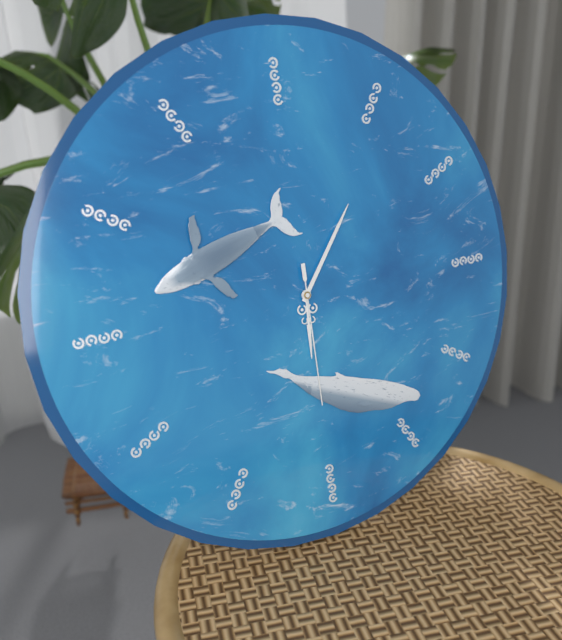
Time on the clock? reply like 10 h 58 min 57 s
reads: 6 h 06 min 30 s
